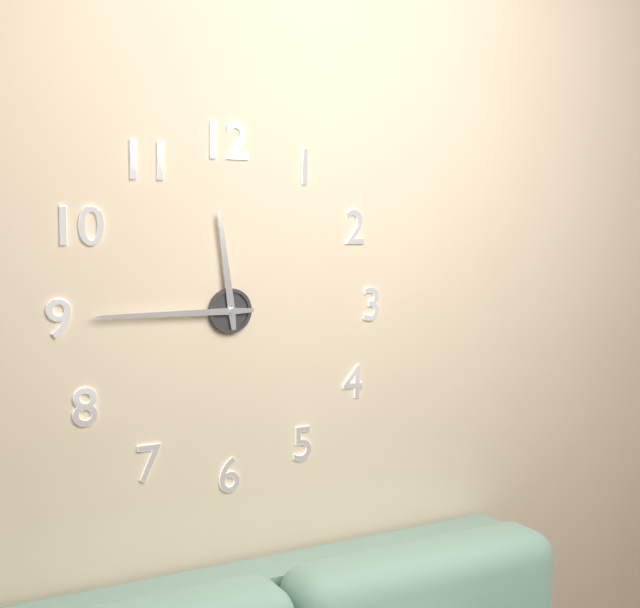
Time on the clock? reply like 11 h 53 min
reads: 11 h 45 min
